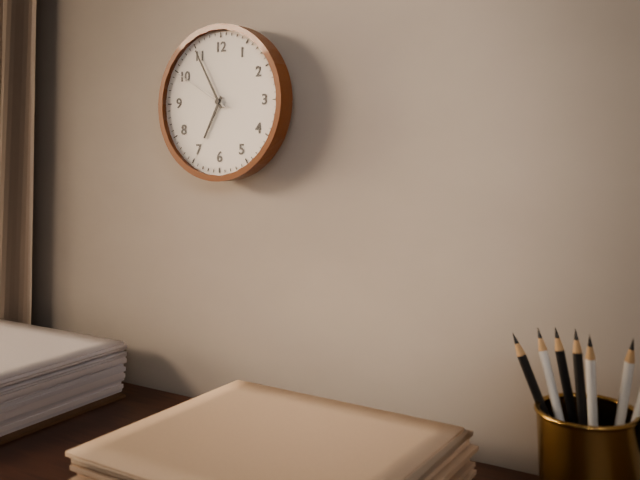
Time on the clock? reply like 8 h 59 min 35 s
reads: 6 h 55 min 50 s
